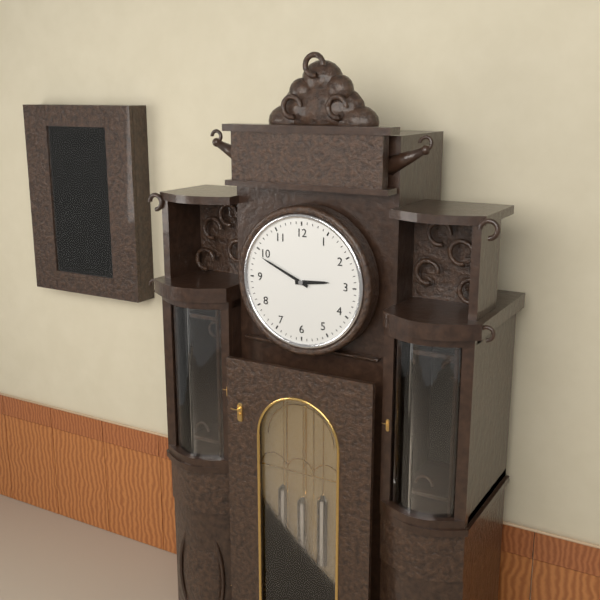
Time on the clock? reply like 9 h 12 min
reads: 2 h 49 min
